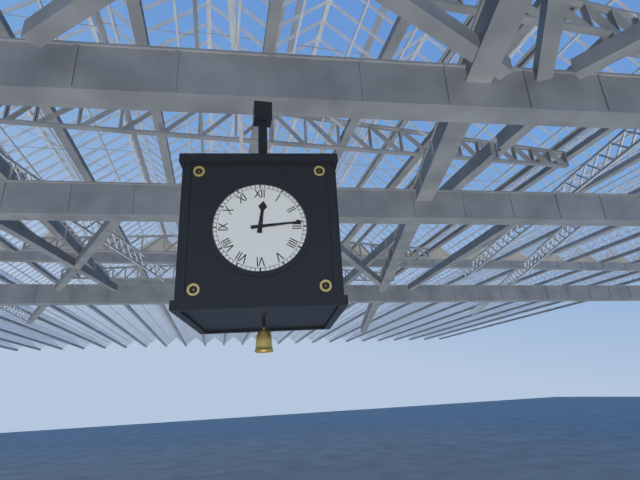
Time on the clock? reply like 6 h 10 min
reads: 12 h 14 min
